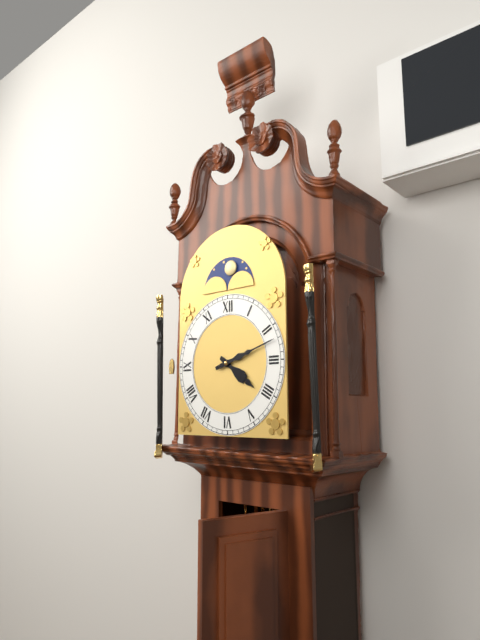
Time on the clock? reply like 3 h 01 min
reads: 4 h 12 min
